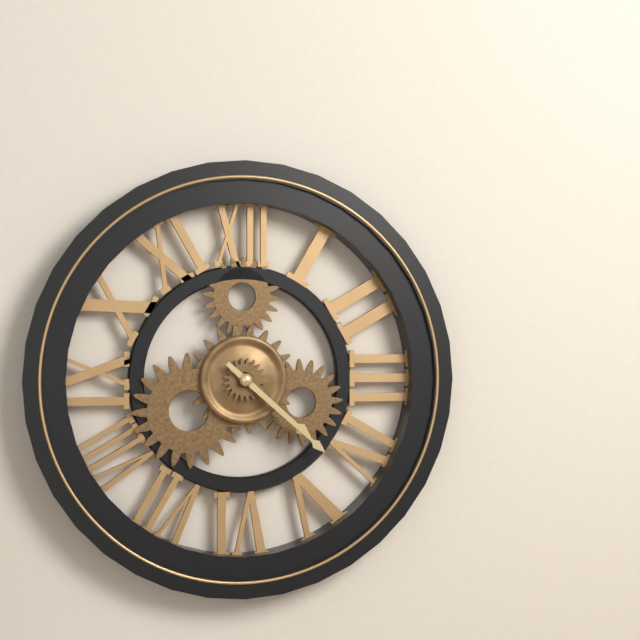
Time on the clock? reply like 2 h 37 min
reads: 4 h 22 min
